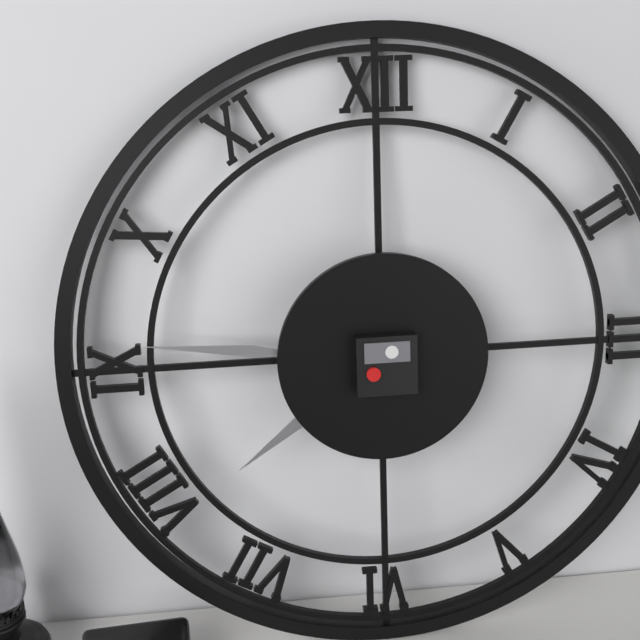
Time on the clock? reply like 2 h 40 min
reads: 7 h 46 min
